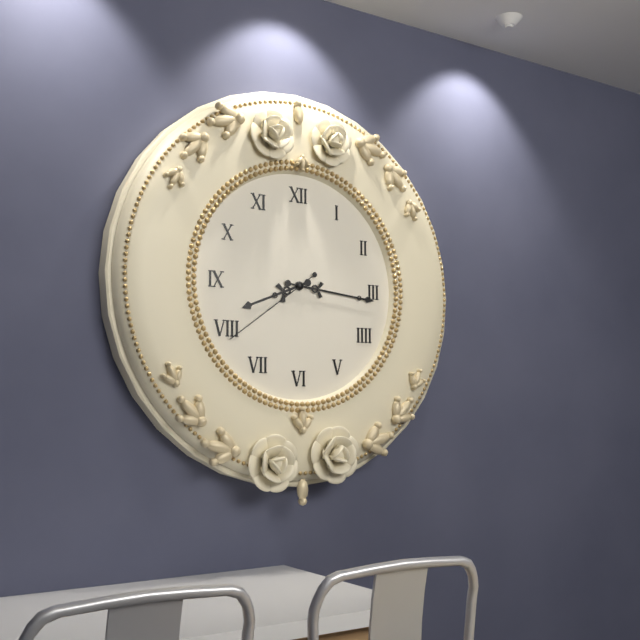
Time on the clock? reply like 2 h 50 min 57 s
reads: 8 h 16 min 39 s
